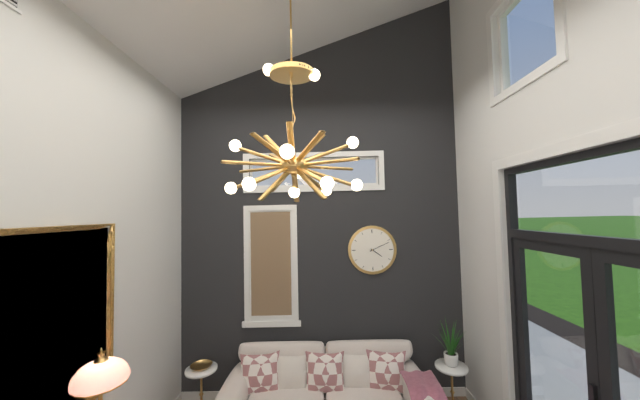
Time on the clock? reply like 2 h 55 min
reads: 4 h 11 min
